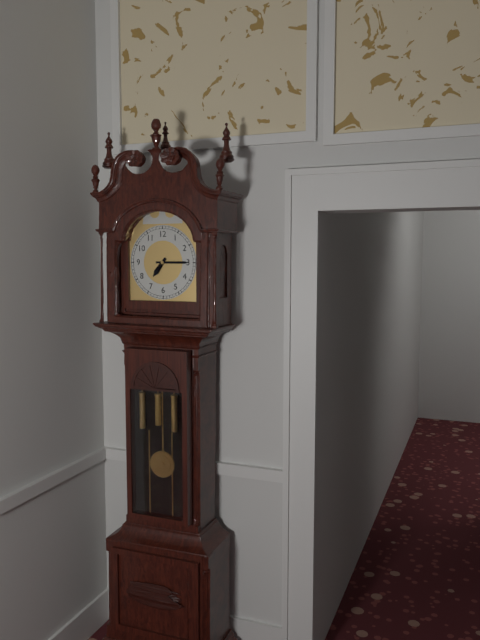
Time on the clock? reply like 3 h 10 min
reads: 7 h 15 min
